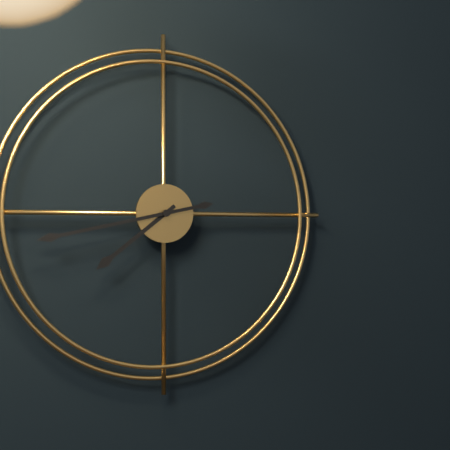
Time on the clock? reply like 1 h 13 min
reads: 7 h 43 min
